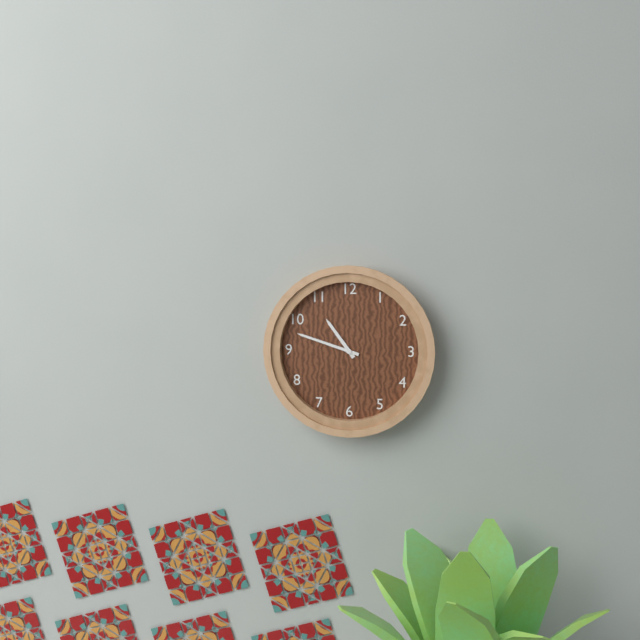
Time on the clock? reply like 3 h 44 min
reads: 10 h 48 min
